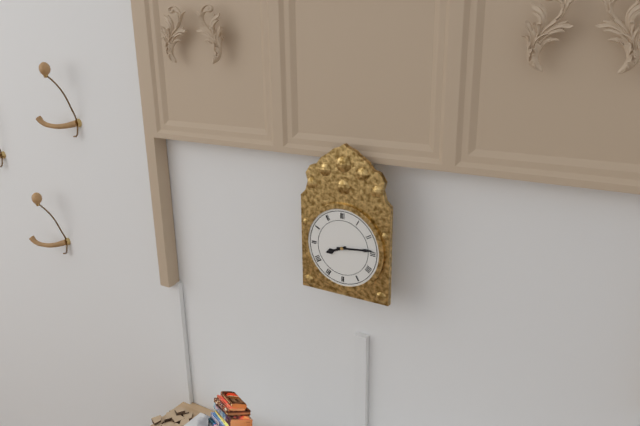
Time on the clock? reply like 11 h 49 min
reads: 8 h 14 min
